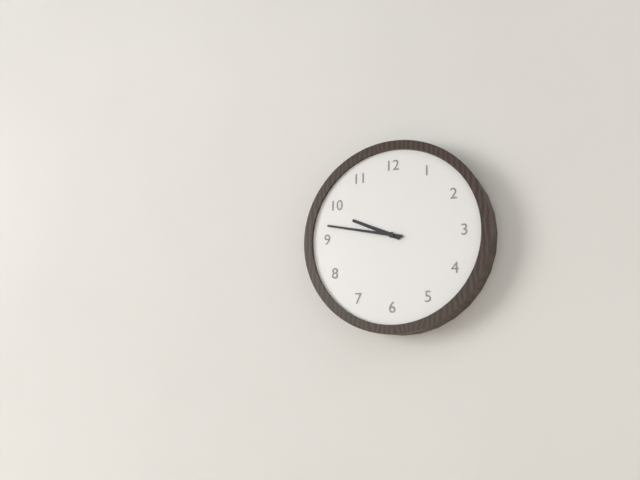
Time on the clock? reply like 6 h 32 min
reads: 9 h 47 min
